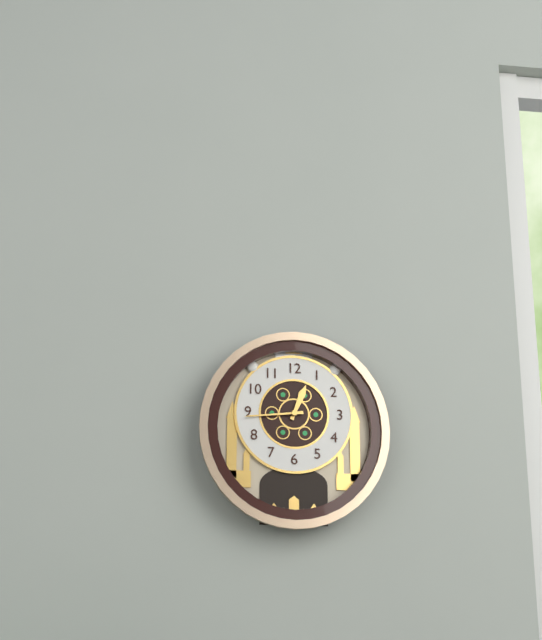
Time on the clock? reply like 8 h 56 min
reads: 12 h 44 min
